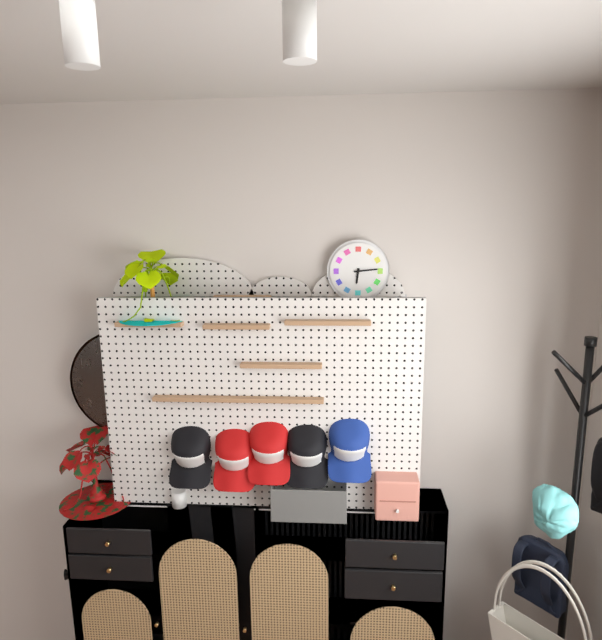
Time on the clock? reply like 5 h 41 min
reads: 6 h 14 min
